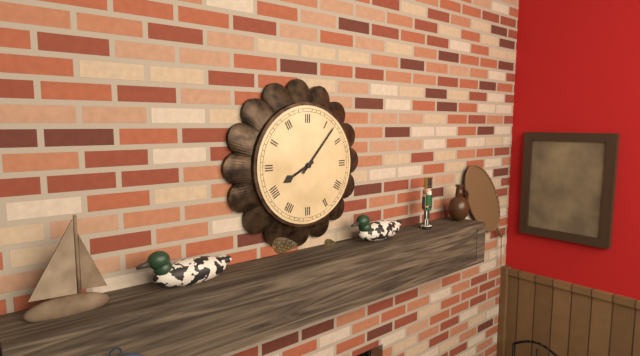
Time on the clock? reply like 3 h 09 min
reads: 8 h 07 min
